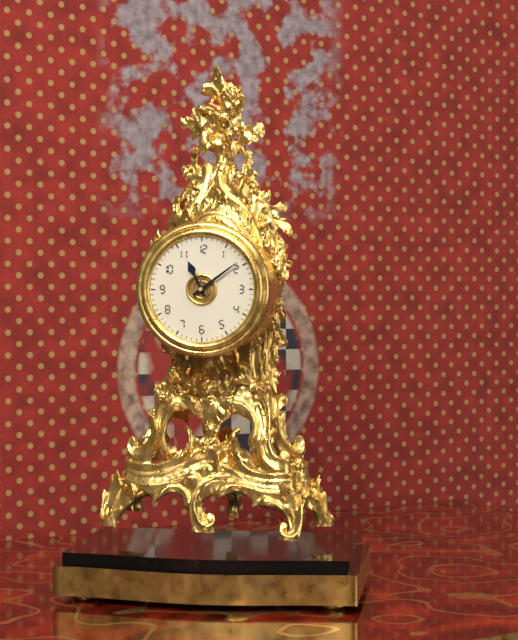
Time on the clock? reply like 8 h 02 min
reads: 11 h 09 min
